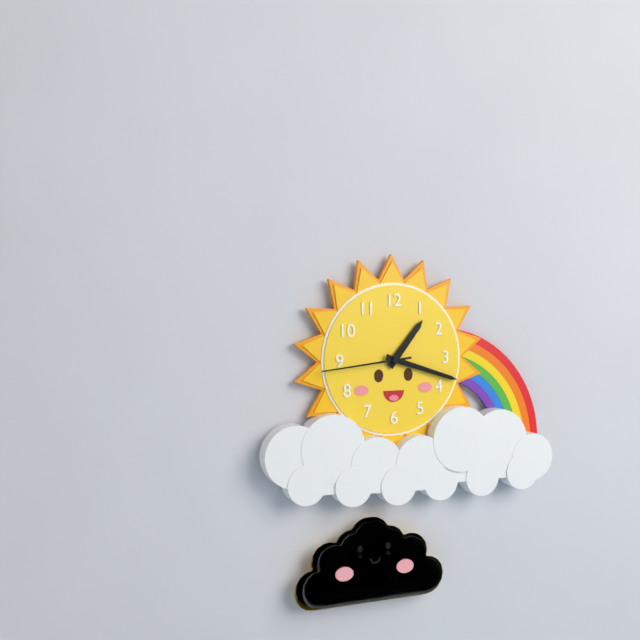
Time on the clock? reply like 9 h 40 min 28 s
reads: 1 h 18 min 44 s
